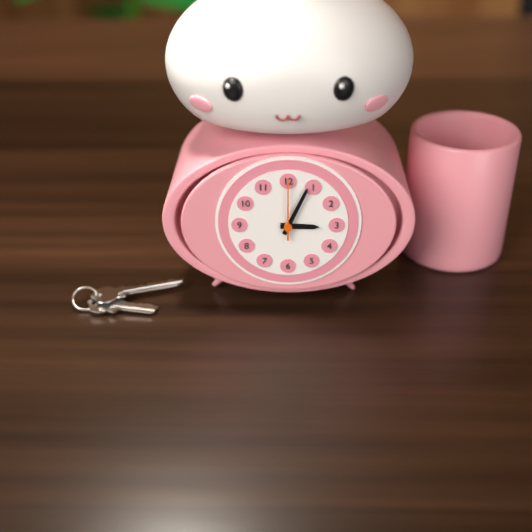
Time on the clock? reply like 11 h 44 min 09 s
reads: 3 h 04 min 00 s
